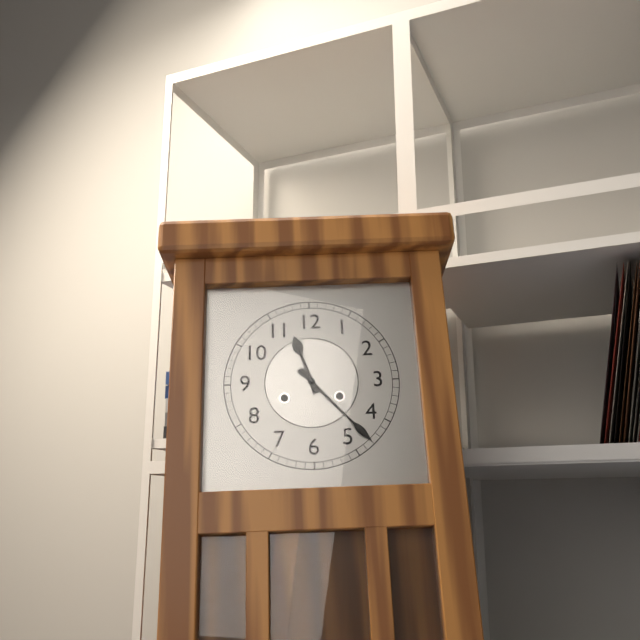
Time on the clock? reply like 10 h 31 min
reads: 11 h 23 min
